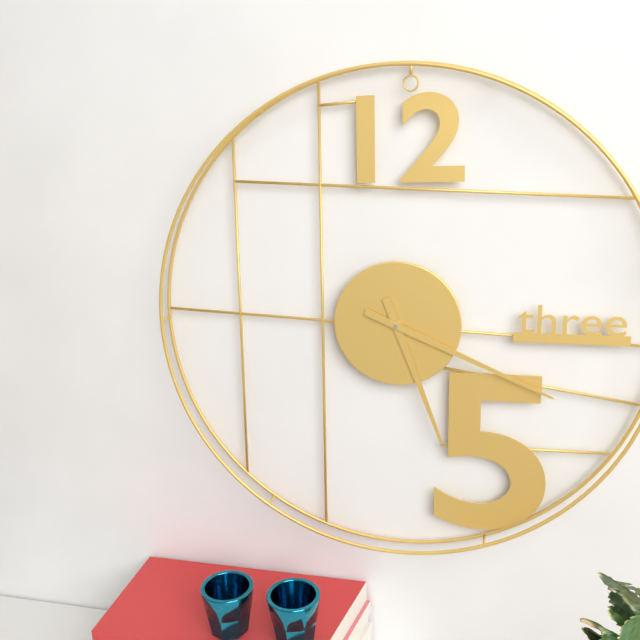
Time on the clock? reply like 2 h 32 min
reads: 5 h 19 min
